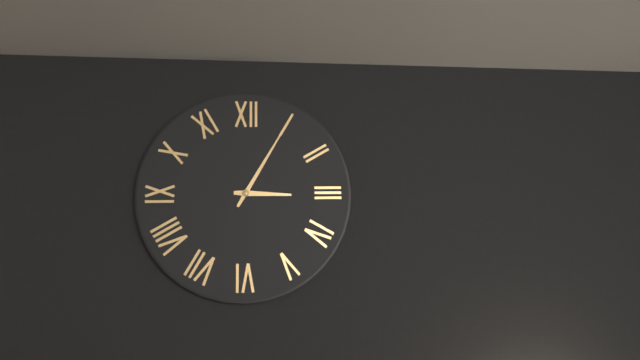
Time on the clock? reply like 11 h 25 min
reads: 3 h 05 min
